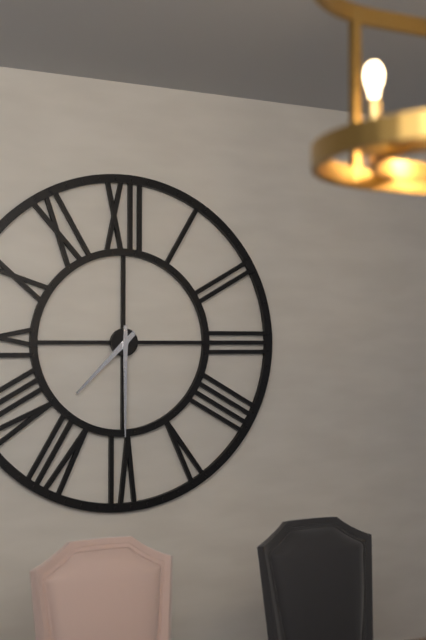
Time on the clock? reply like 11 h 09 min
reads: 7 h 30 min
